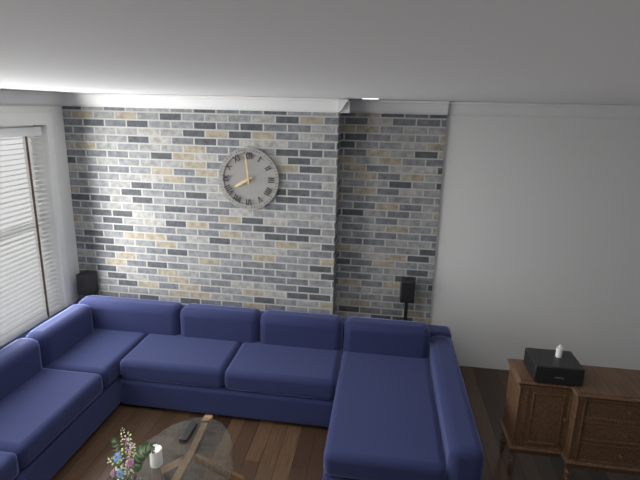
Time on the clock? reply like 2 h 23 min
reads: 7 h 59 min
